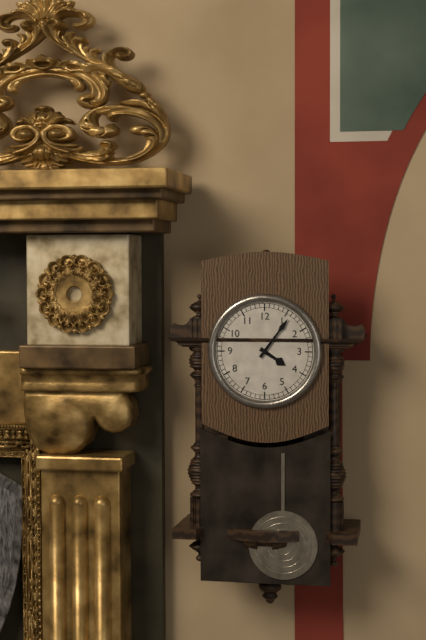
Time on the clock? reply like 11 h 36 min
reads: 4 h 06 min
